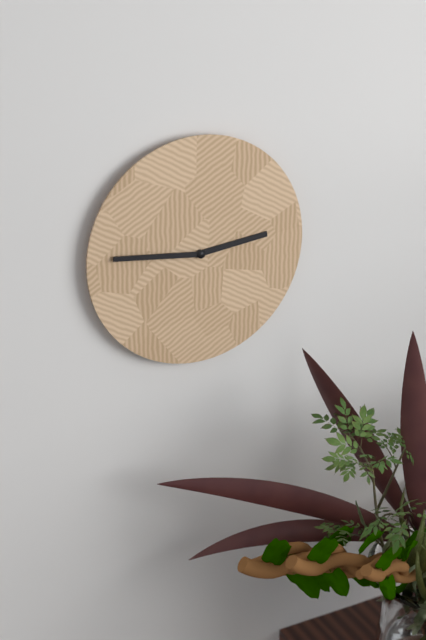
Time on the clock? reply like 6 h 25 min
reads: 2 h 46 min
